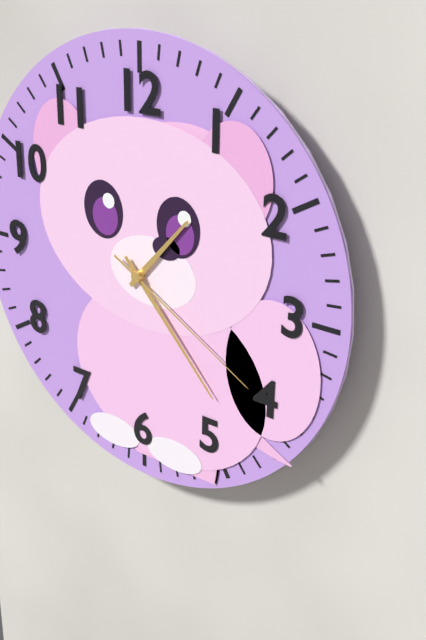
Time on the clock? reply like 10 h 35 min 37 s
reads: 1 h 23 min 20 s
